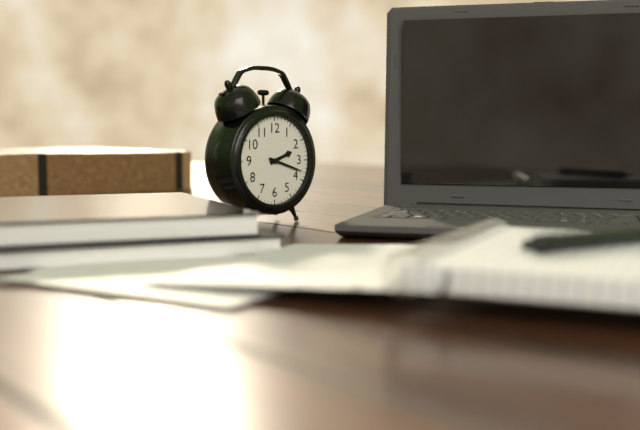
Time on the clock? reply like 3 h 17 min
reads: 2 h 18 min
